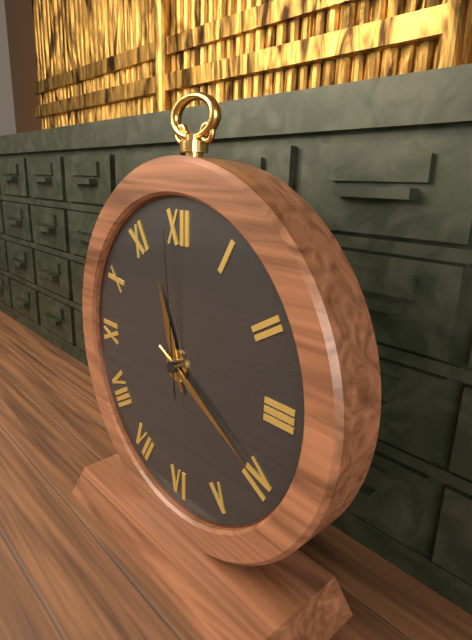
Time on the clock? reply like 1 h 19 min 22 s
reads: 11 h 20 min 59 s
